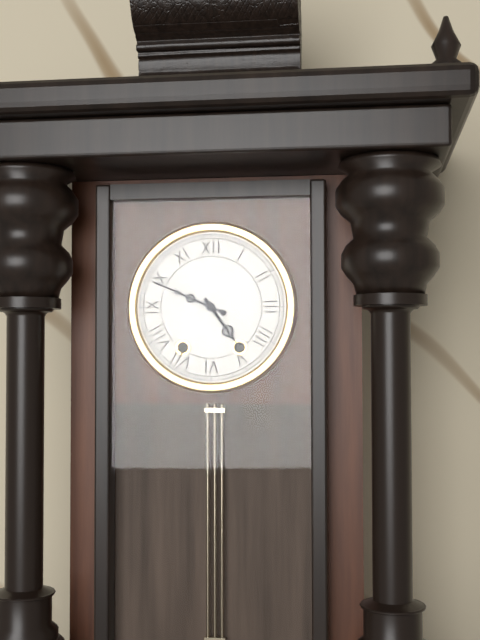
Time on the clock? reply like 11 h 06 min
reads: 4 h 49 min
